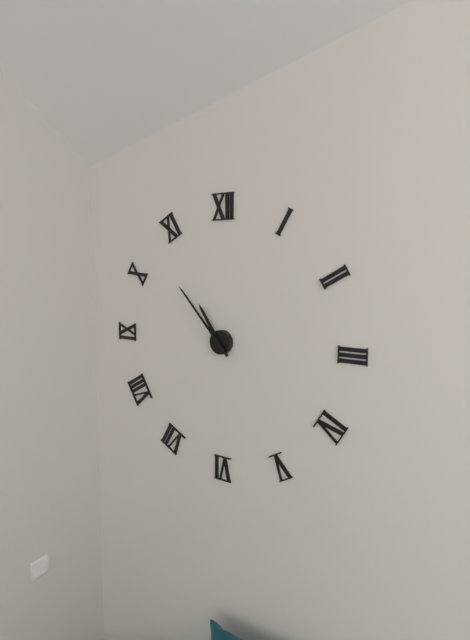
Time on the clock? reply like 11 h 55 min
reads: 10 h 53 min
